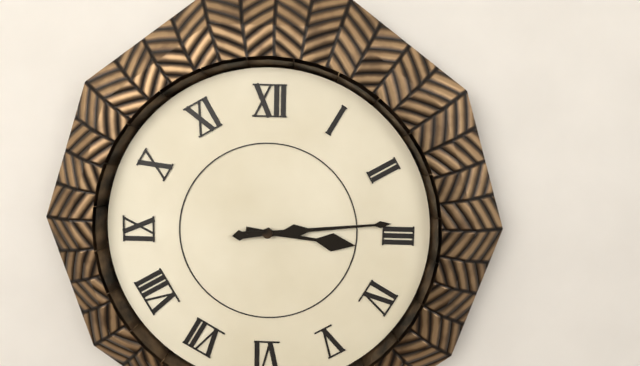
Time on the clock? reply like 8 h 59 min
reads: 3 h 14 min
